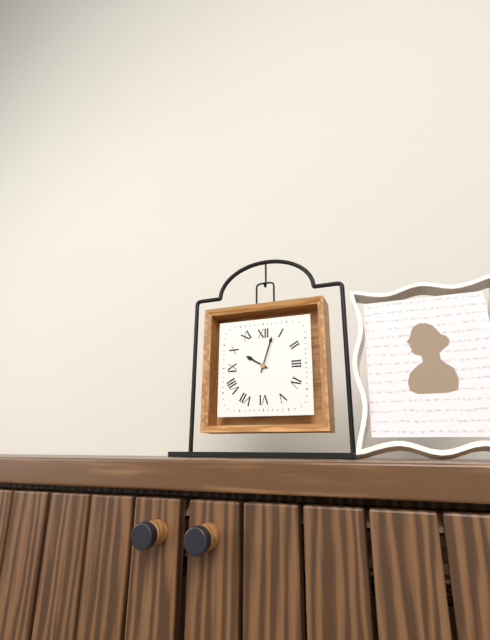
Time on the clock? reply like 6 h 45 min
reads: 10 h 03 min
